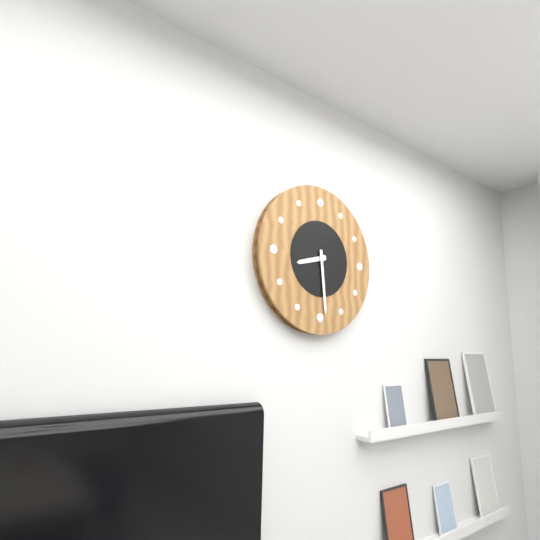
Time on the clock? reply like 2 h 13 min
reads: 8 h 29 min
